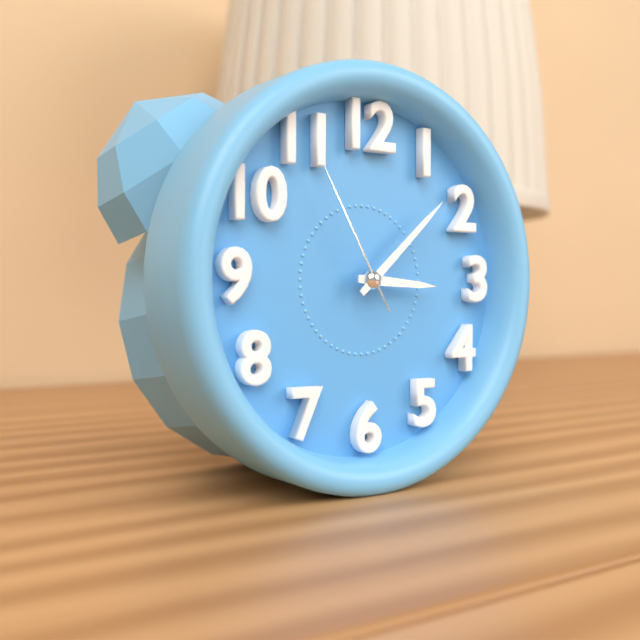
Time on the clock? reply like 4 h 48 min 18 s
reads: 3 h 08 min 55 s
